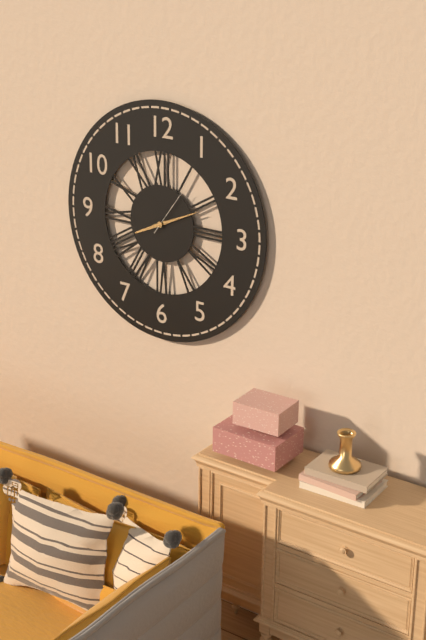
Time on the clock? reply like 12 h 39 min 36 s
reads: 8 h 11 min 06 s
